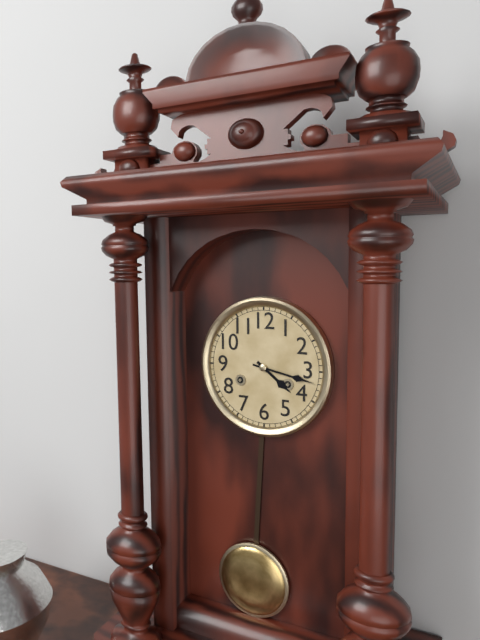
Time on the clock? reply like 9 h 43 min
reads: 4 h 17 min
